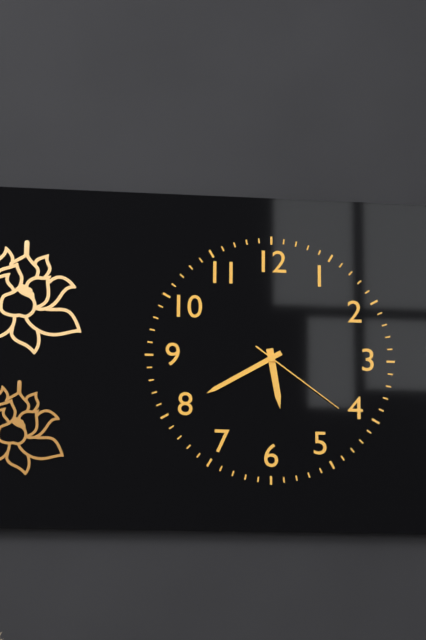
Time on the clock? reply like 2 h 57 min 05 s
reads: 5 h 40 min 21 s
